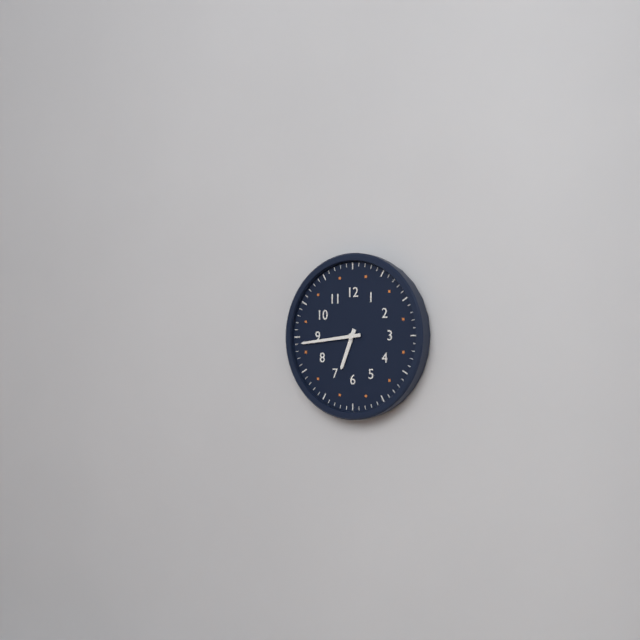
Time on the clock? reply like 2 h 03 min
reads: 6 h 44 min
